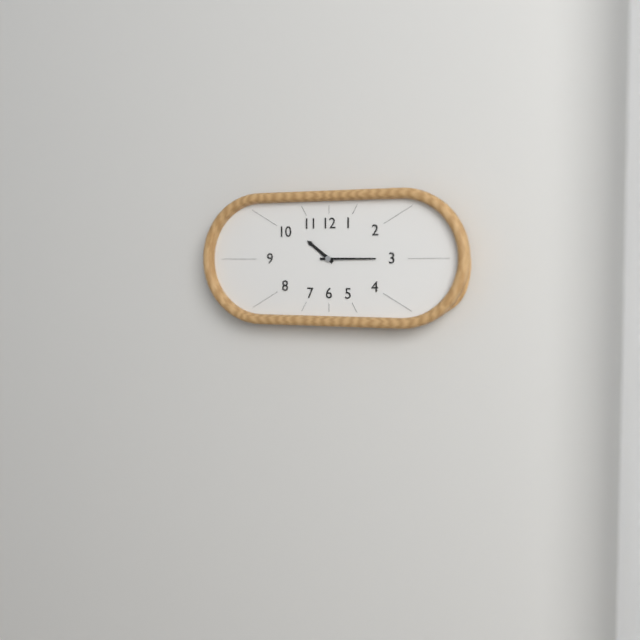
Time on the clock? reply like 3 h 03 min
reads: 10 h 15 min
